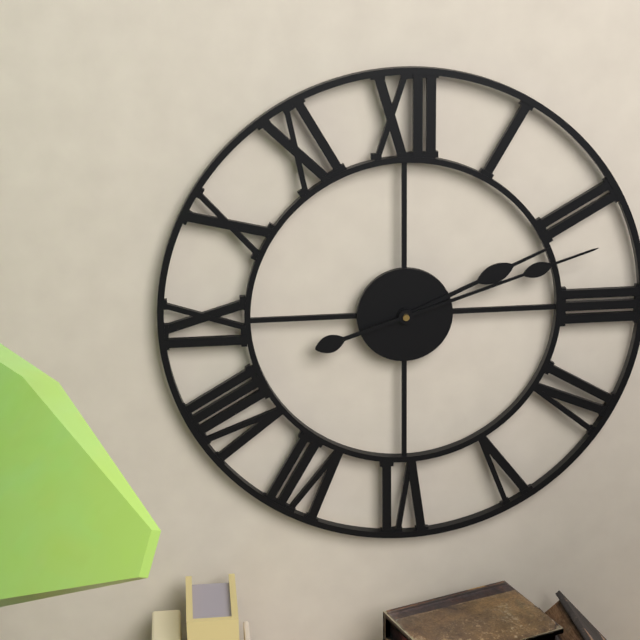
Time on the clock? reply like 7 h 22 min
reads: 2 h 12 min
